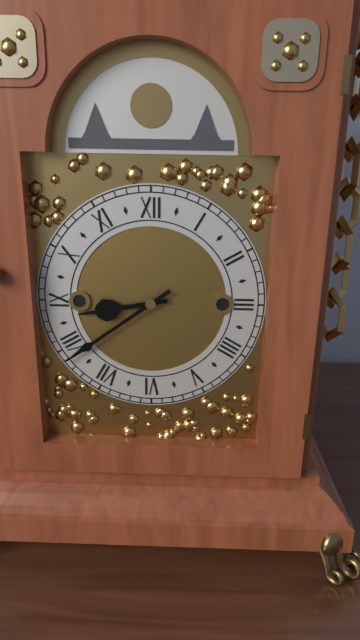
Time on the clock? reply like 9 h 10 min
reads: 8 h 39 min
